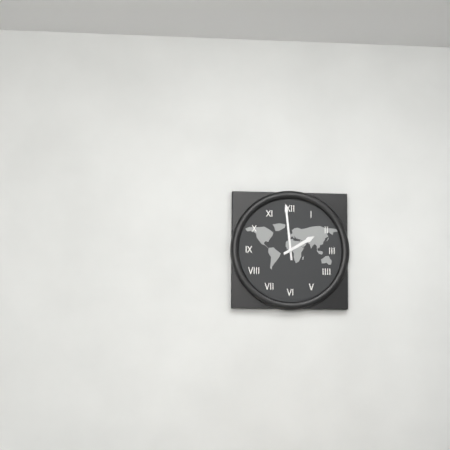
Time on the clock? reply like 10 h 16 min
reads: 1 h 59 min
